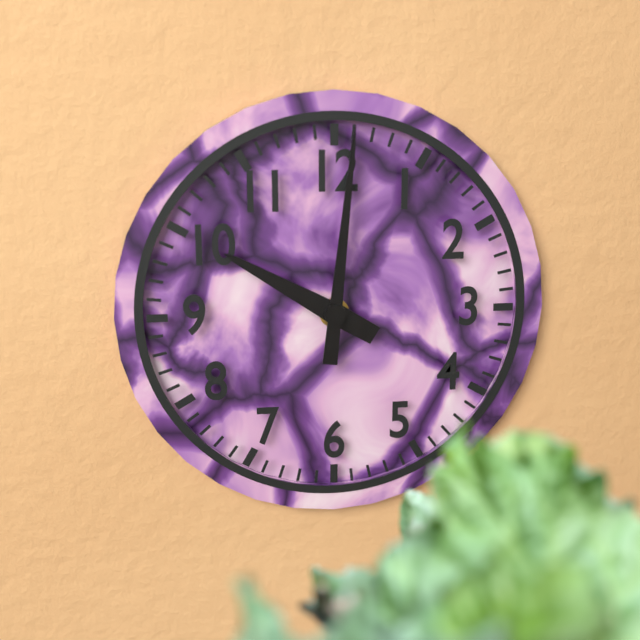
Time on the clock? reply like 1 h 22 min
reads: 10 h 01 min
